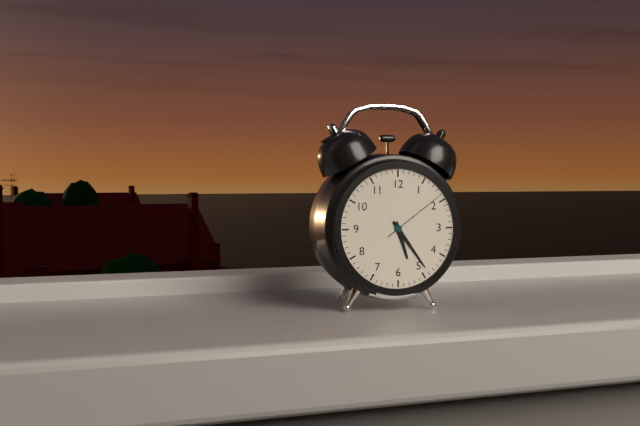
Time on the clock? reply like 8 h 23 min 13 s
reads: 5 h 24 min 09 s
